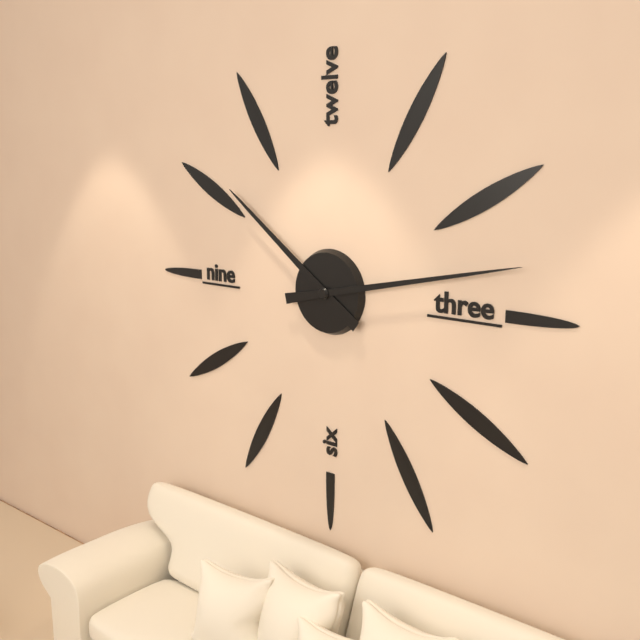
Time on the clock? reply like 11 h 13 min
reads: 10 h 13 min
